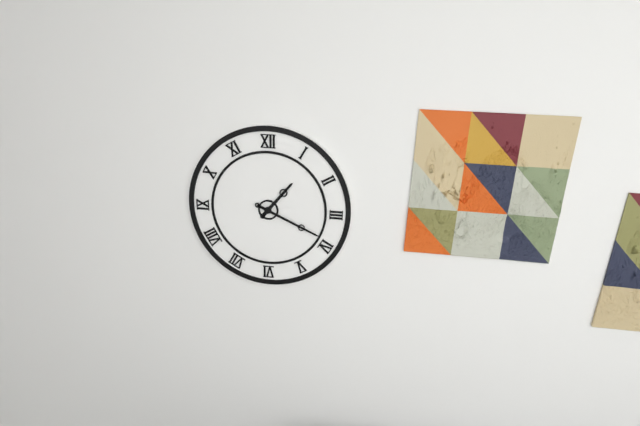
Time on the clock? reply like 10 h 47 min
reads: 1 h 19 min
